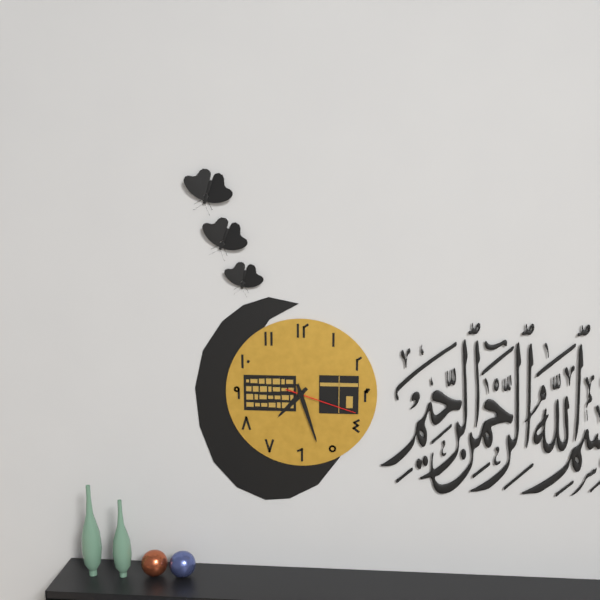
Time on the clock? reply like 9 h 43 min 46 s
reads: 7 h 27 min 18 s
